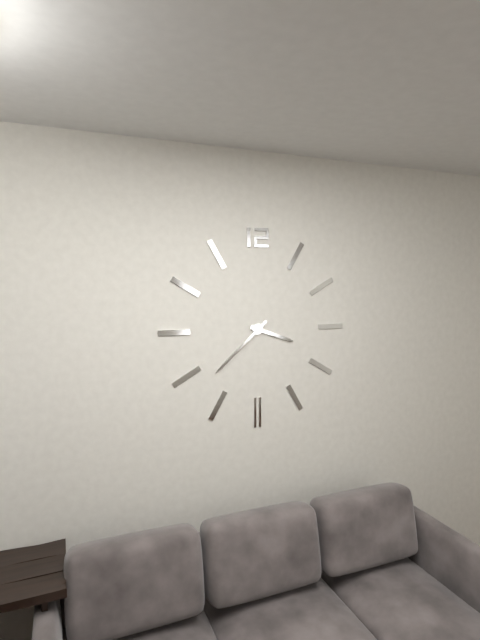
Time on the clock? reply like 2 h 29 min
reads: 3 h 38 min
